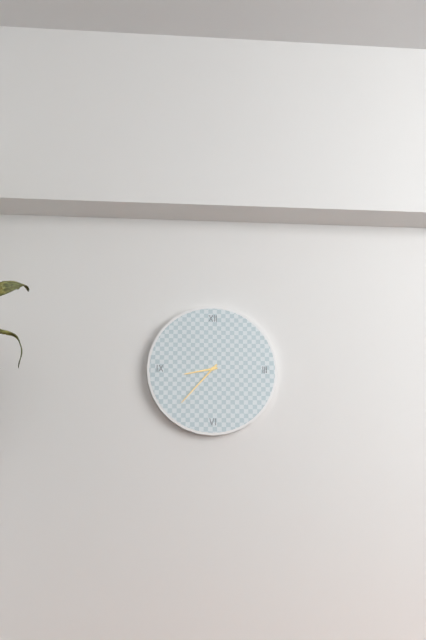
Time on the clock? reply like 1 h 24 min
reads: 8 h 37 min
